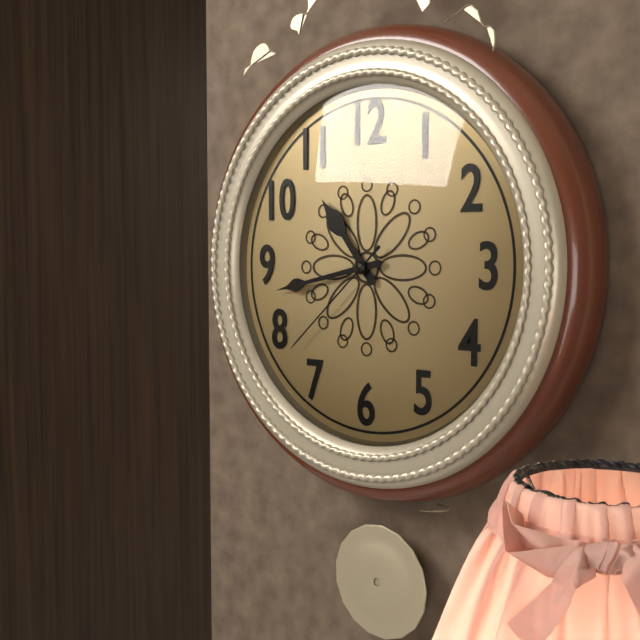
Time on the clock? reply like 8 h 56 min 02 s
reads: 10 h 43 min 38 s
